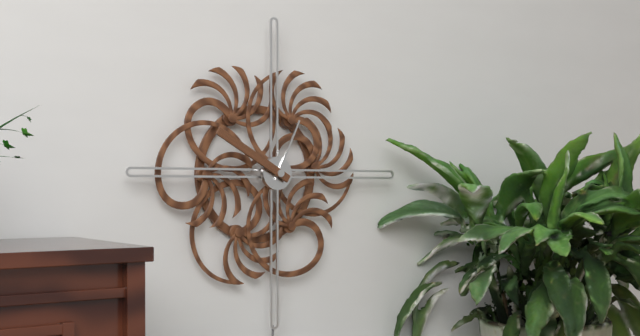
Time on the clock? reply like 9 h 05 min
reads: 12 h 50 min
